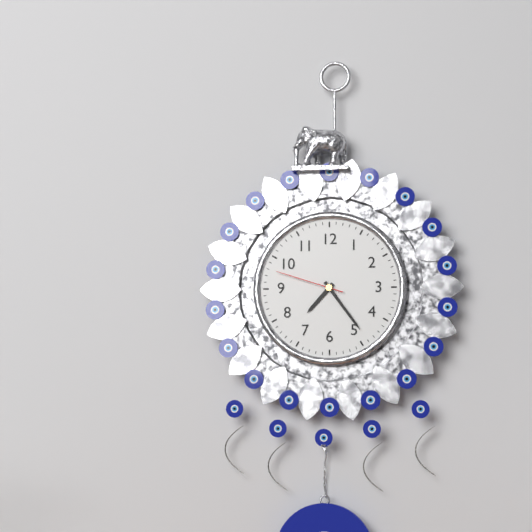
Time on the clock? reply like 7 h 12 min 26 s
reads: 7 h 24 min 48 s
